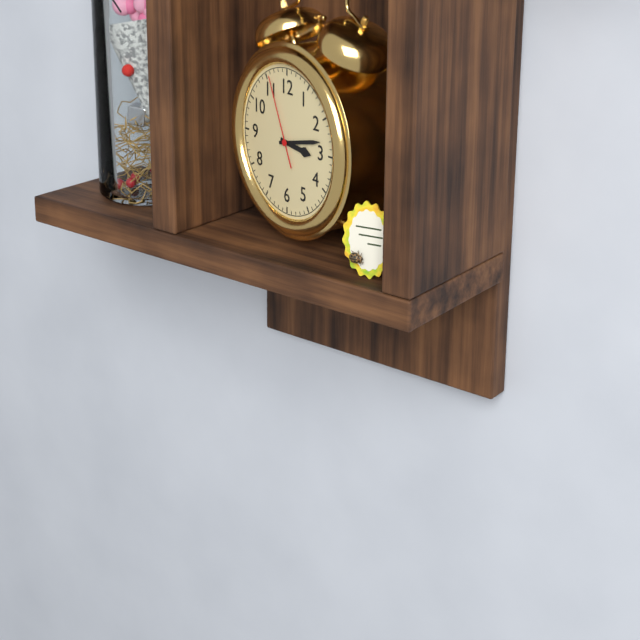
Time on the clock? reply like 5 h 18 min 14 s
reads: 3 h 13 min 56 s
